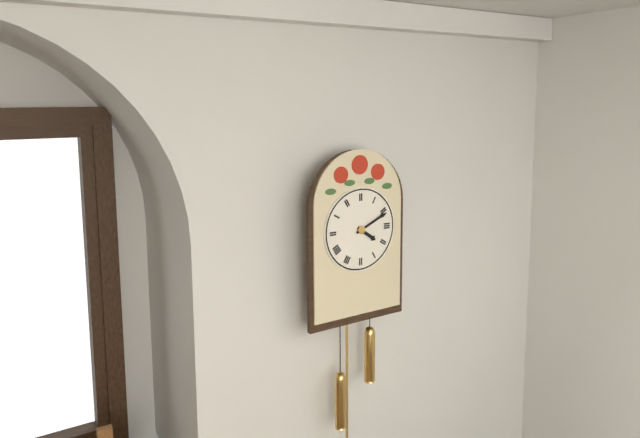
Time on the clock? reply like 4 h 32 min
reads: 4 h 11 min
